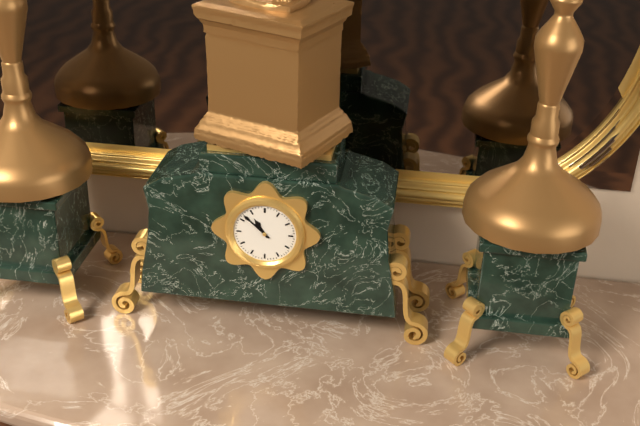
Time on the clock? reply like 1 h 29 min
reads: 10 h 52 min
